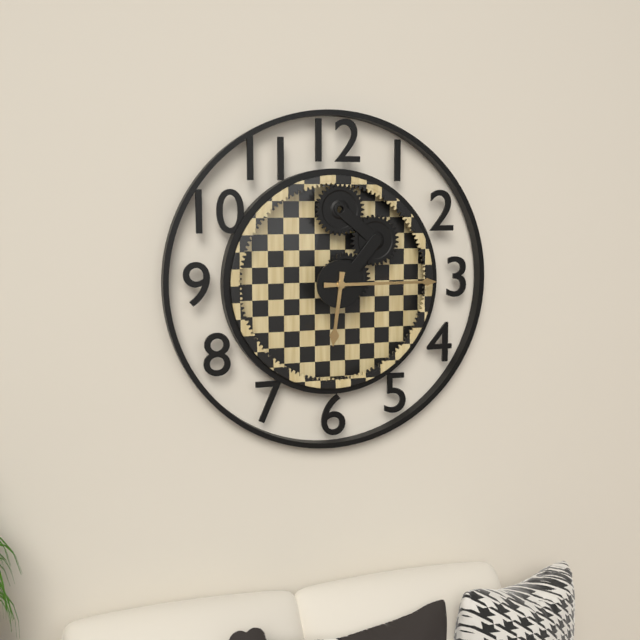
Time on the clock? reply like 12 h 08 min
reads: 6 h 15 min
